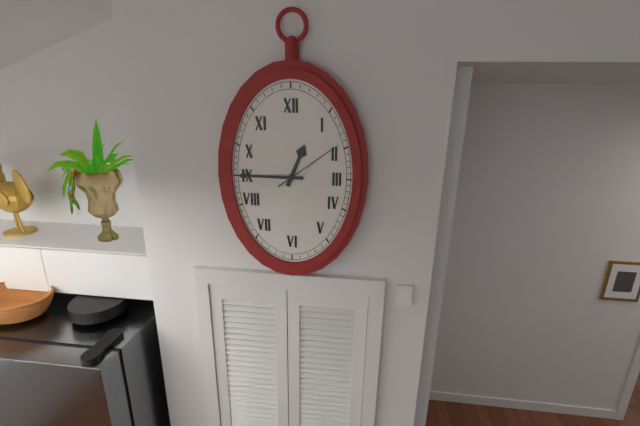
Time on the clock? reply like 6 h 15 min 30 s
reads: 12 h 45 min 09 s
